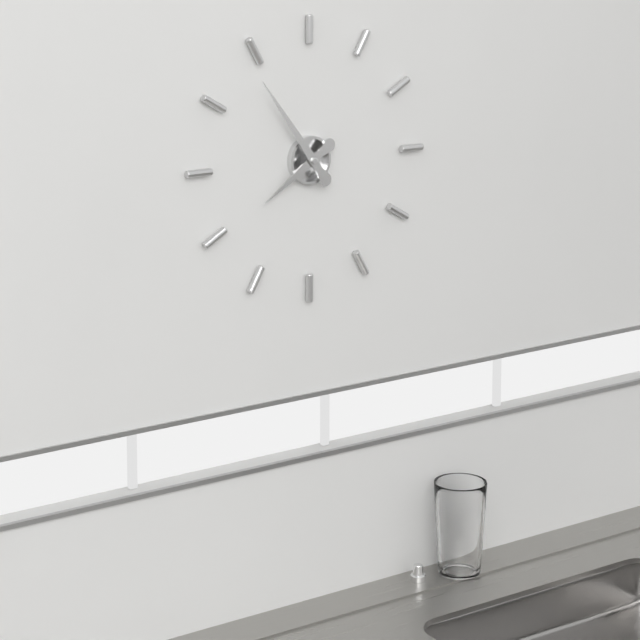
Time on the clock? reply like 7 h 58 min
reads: 7 h 54 min
